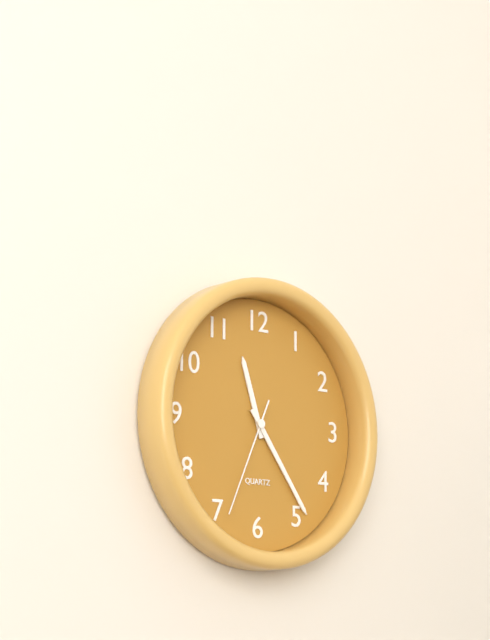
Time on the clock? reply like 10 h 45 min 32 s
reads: 11 h 24 min 34 s
